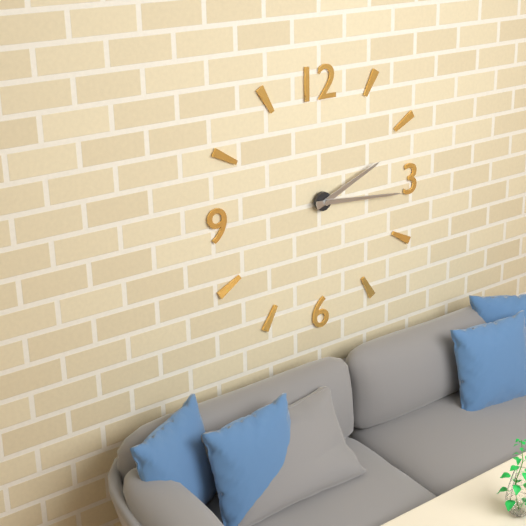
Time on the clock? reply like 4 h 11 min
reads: 2 h 16 min
